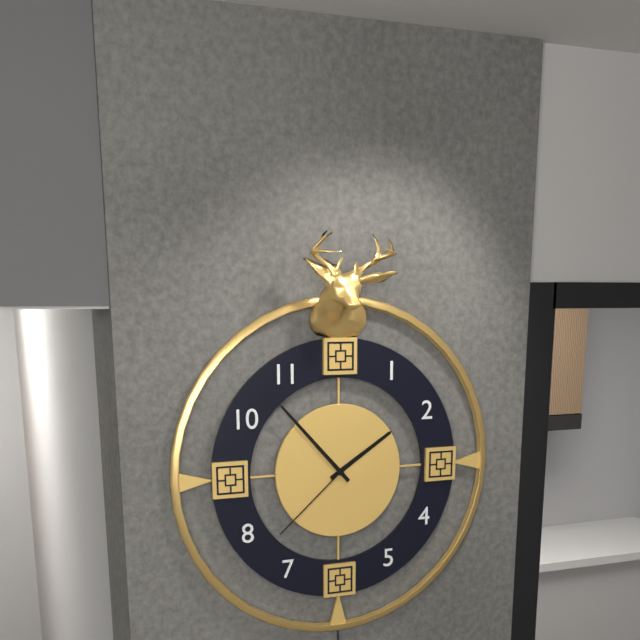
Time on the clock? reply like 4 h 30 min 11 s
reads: 1 h 53 min 38 s
